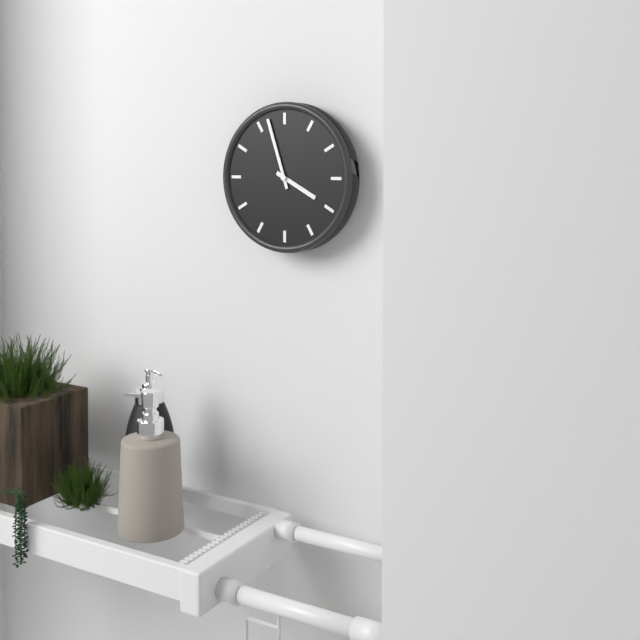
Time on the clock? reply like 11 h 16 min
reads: 3 h 57 min
